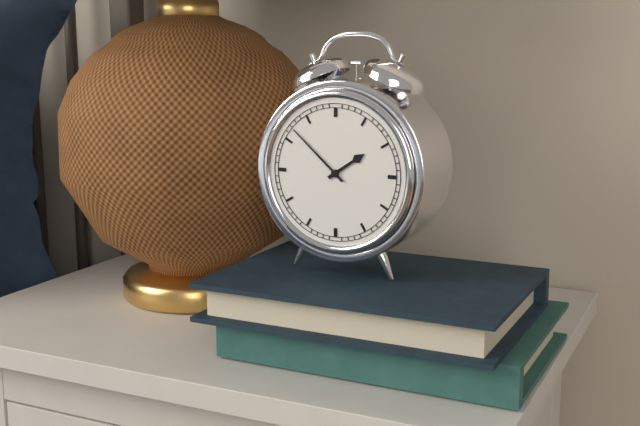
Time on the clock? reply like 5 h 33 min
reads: 1 h 52 min
